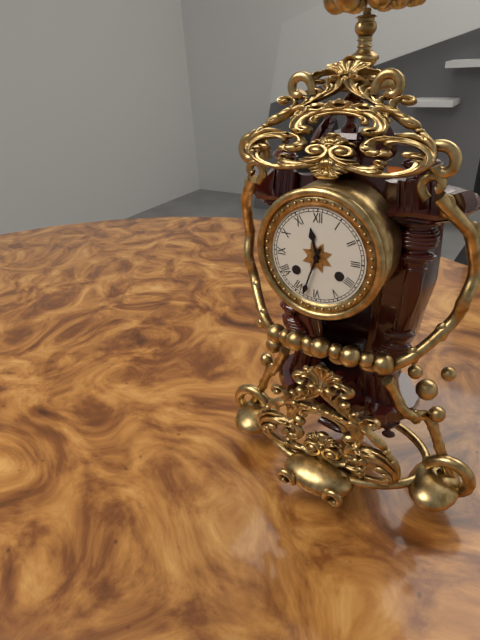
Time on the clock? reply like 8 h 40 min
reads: 11 h 33 min
